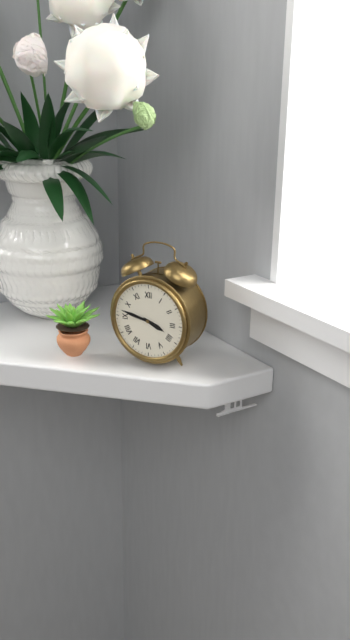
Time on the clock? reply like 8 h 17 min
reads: 3 h 47 min
